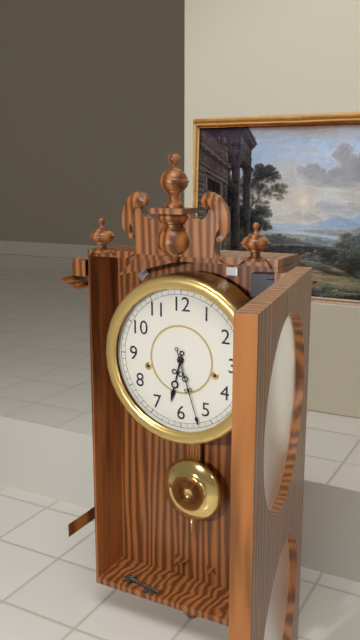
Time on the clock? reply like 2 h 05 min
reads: 6 h 27 min
